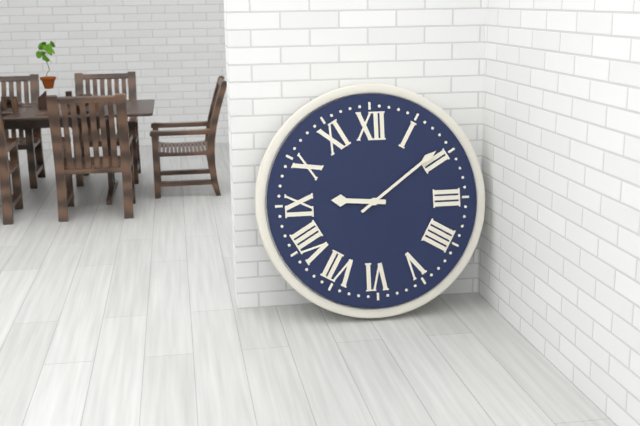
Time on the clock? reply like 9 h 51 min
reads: 9 h 09 min
